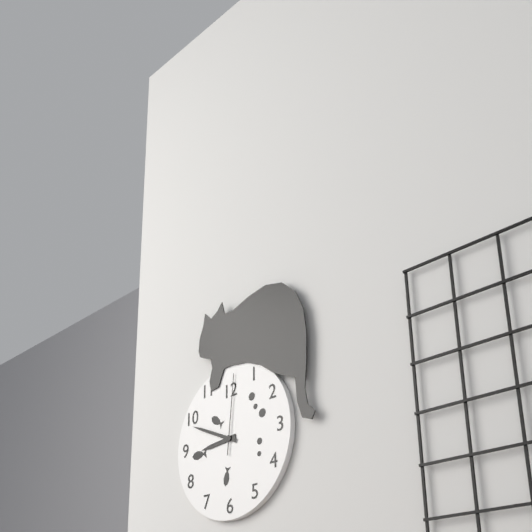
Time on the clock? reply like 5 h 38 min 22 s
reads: 8 h 49 min 01 s
